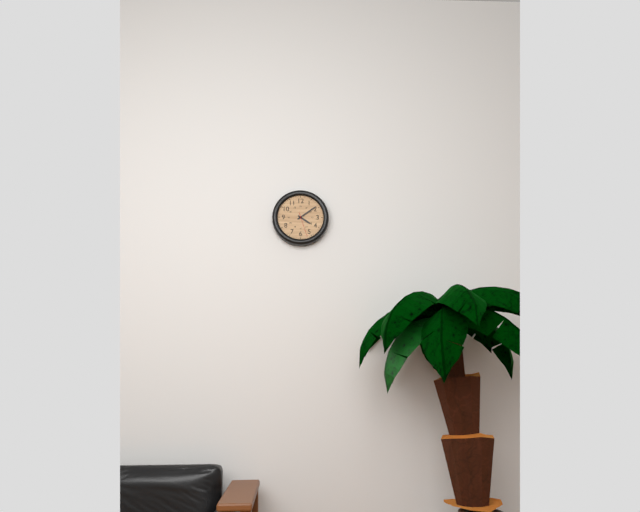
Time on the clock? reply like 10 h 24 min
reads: 4 h 09 min
